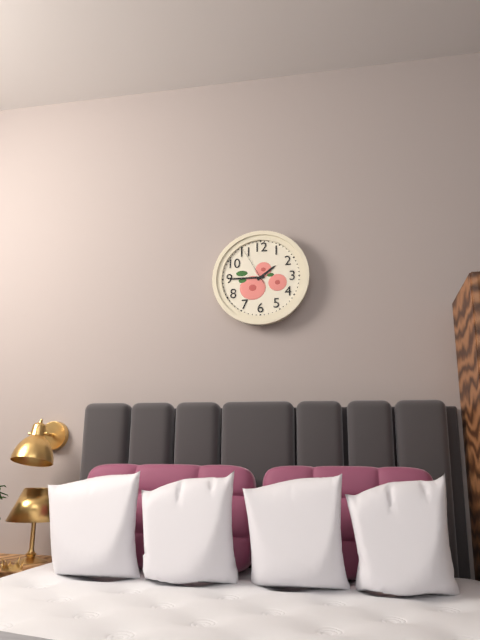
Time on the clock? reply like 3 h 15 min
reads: 1 h 45 min
